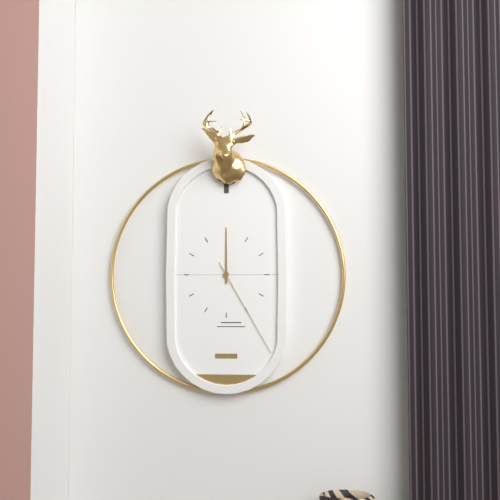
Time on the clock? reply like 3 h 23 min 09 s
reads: 12 h 00 min 25 s
